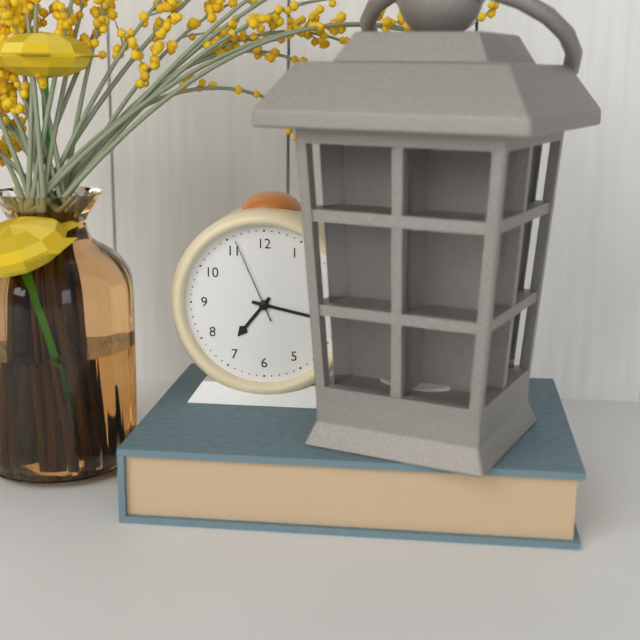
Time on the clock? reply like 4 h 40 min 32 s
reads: 7 h 17 min 56 s
